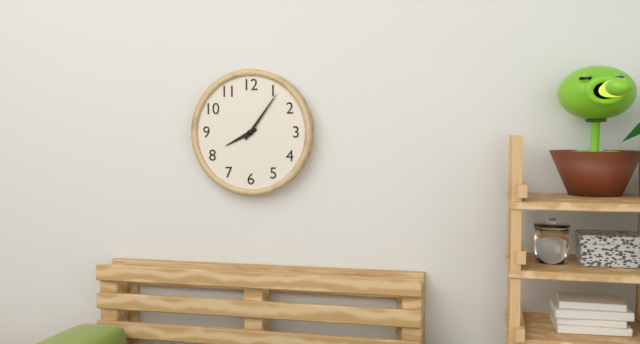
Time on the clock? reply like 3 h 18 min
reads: 8 h 06 min
